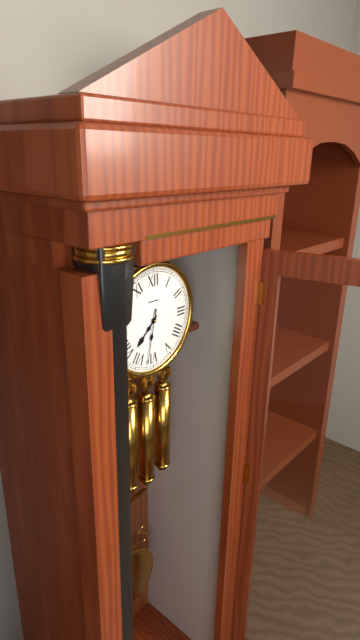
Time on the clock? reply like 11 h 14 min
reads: 7 h 32 min
